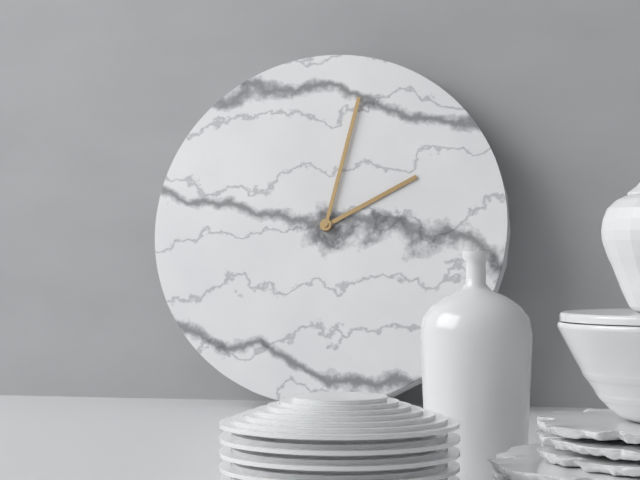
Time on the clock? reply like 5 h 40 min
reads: 2 h 02 min
